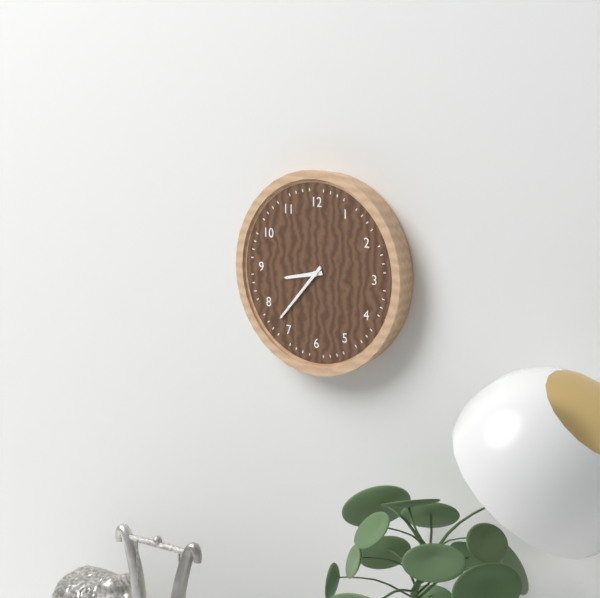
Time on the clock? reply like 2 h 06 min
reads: 8 h 37 min
